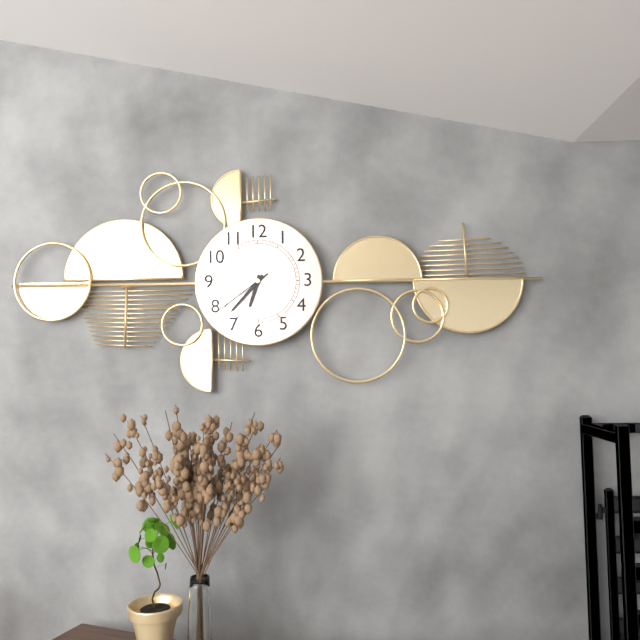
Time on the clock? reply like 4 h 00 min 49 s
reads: 6 h 37 min 39 s
